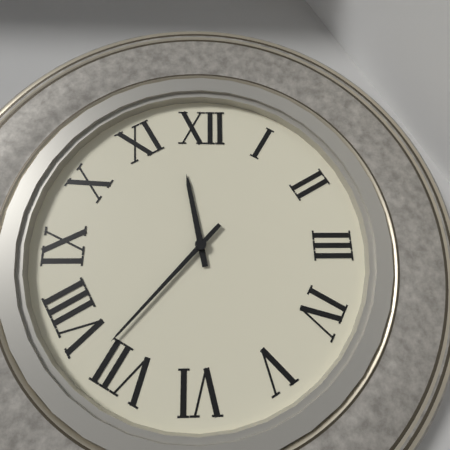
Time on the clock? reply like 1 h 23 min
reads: 11 h 37 min
